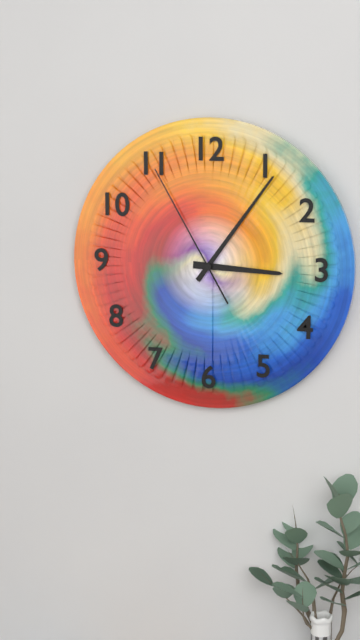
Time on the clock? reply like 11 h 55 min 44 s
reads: 3 h 06 min 55 s
